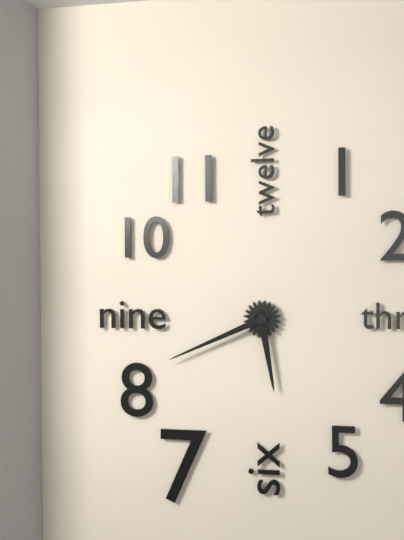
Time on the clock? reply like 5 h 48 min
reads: 5 h 41 min
